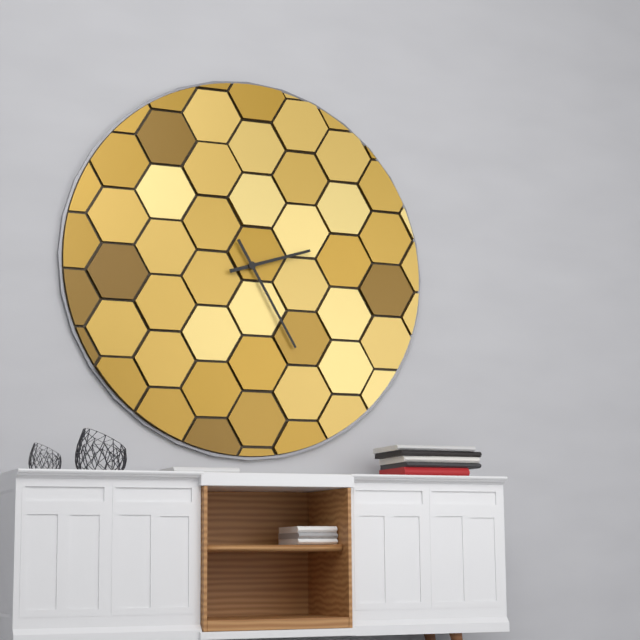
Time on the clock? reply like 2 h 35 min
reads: 2 h 25 min
